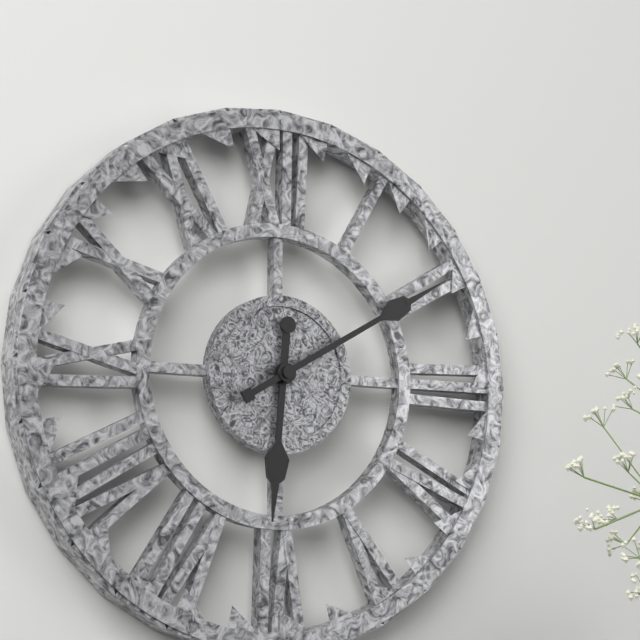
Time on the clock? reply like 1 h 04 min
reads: 6 h 10 min
